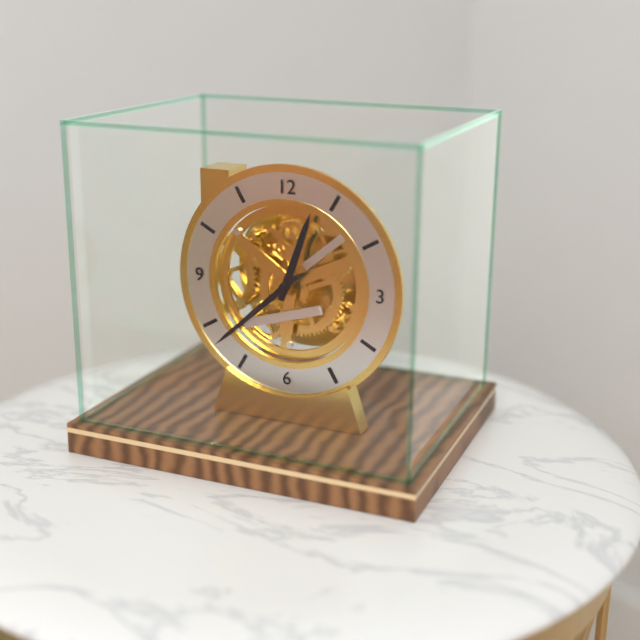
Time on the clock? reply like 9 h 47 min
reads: 12 h 38 min
